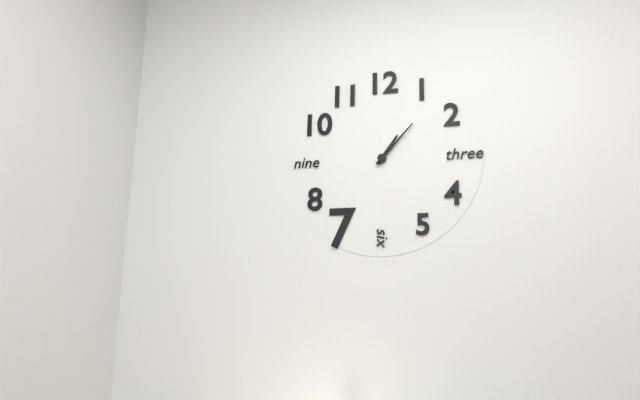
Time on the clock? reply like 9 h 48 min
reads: 1 h 07 min
